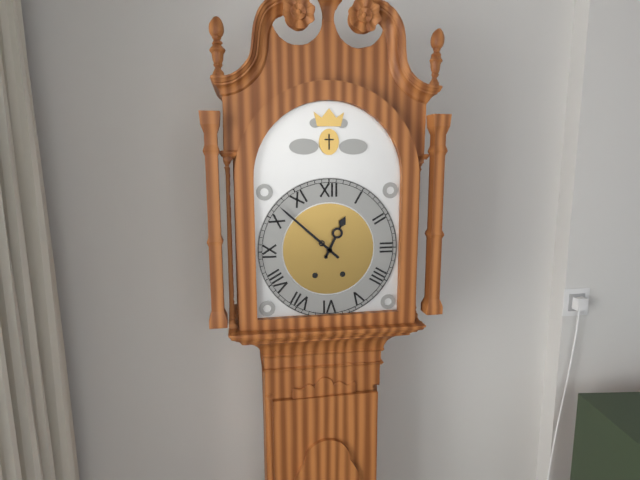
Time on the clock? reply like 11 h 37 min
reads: 12 h 52 min
